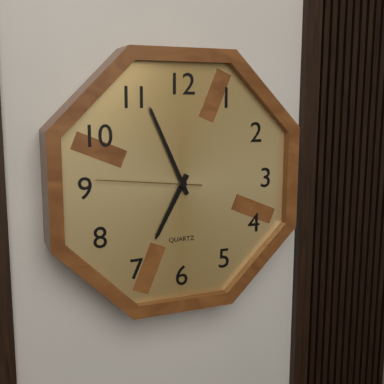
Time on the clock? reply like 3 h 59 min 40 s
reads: 6 h 56 min 46 s
